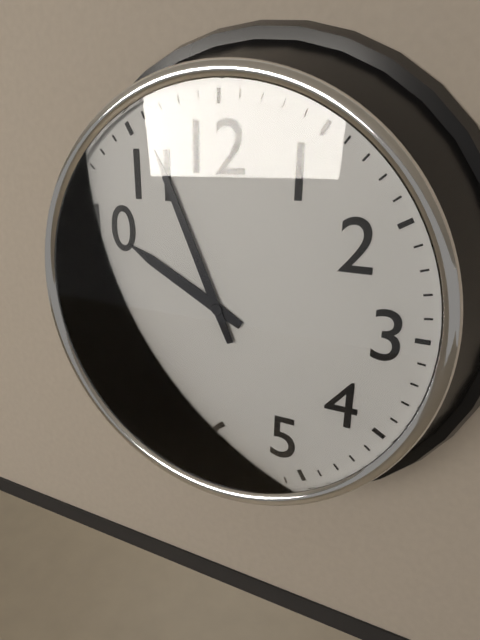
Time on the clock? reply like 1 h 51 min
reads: 9 h 56 min
